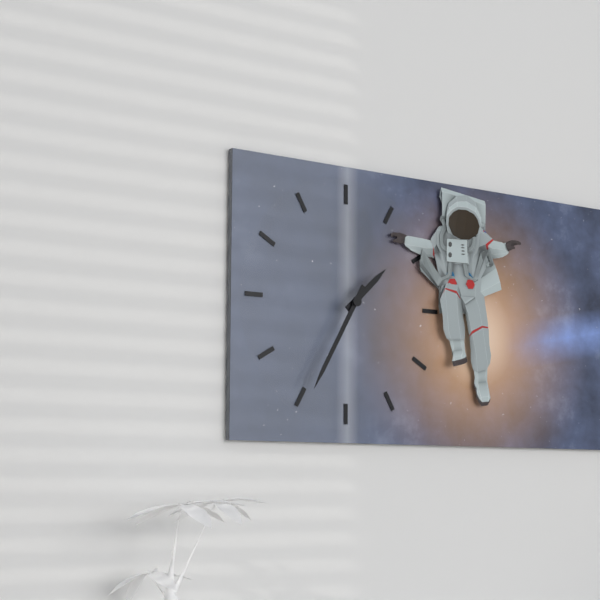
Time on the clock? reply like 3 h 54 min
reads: 1 h 35 min
